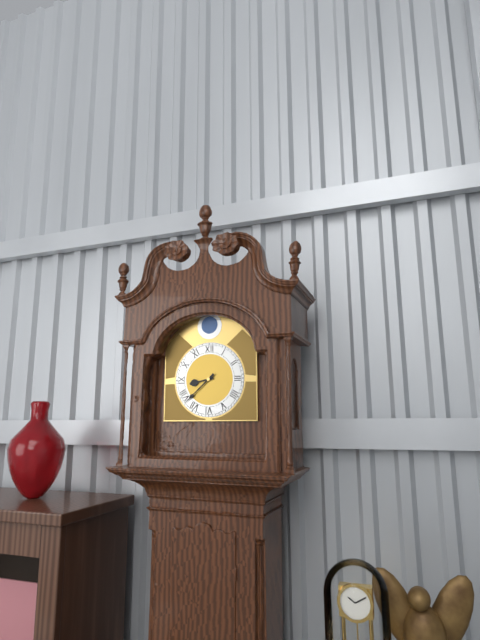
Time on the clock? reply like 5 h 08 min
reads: 8 h 38 min
